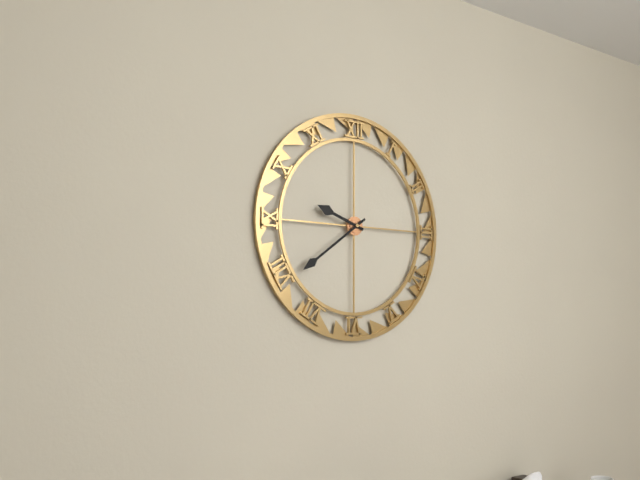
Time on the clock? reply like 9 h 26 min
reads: 9 h 39 min
